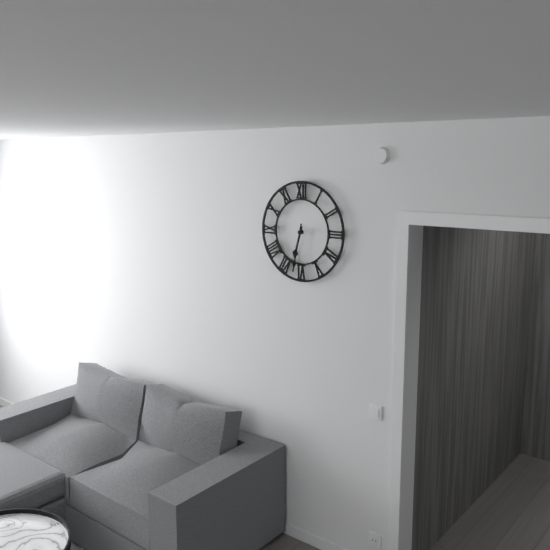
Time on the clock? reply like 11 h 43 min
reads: 6 h 32 min
